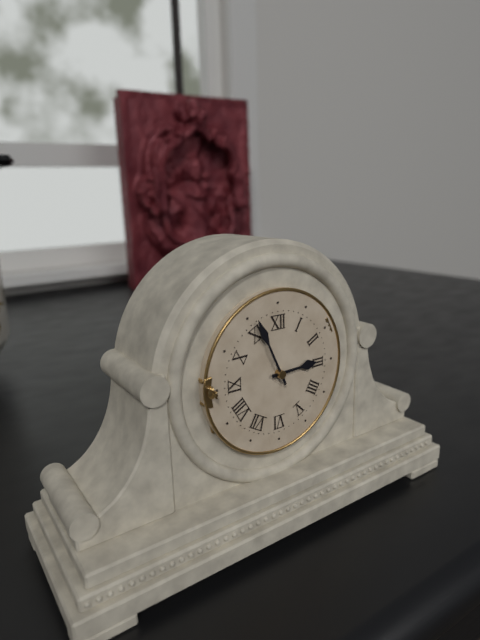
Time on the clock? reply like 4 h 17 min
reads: 2 h 56 min
